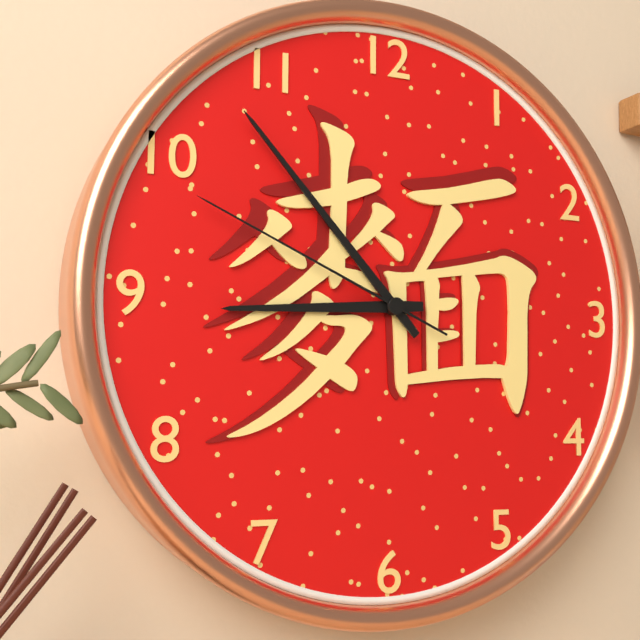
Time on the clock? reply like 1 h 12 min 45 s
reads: 8 h 53 min 49 s
